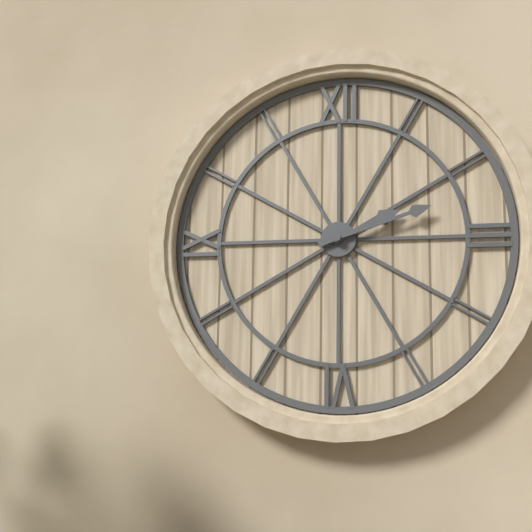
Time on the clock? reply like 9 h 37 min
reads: 2 h 12 min
